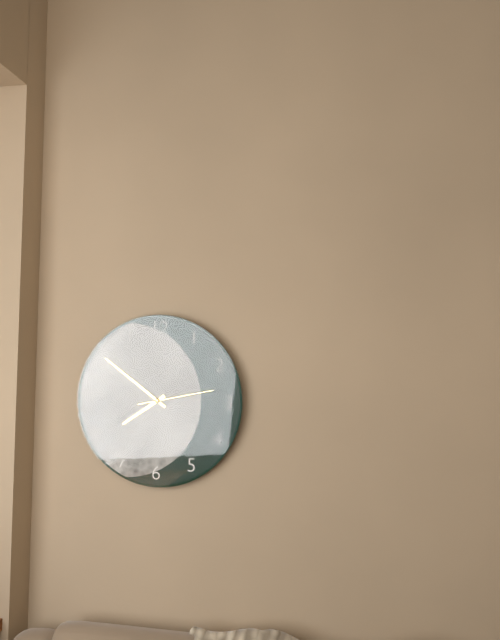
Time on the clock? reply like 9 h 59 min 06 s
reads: 7 h 51 min 13 s
